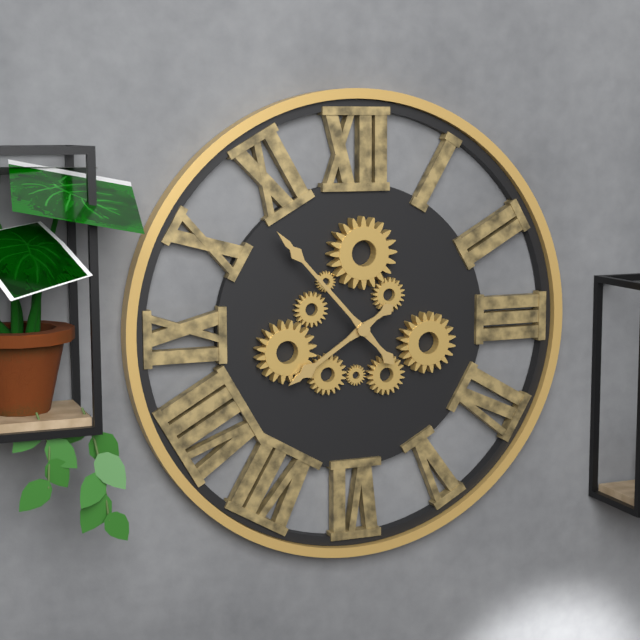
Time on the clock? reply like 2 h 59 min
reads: 7 h 53 min
